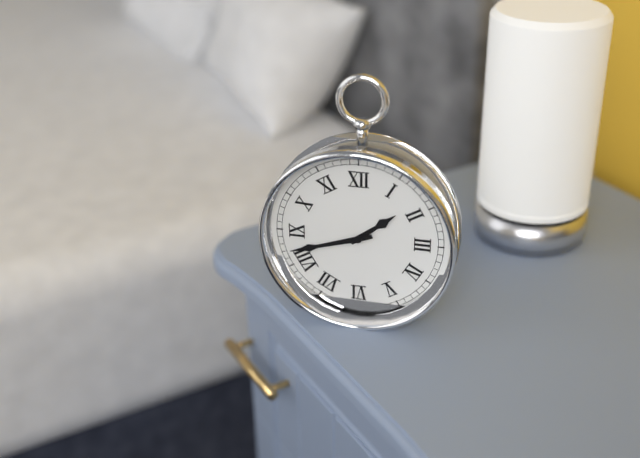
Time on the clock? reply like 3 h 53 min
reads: 1 h 42 min
